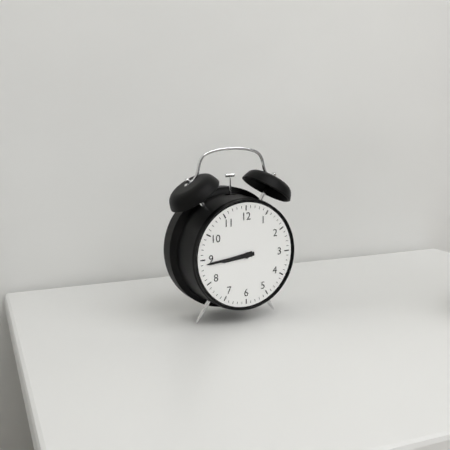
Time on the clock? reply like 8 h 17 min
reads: 8 h 44 min
